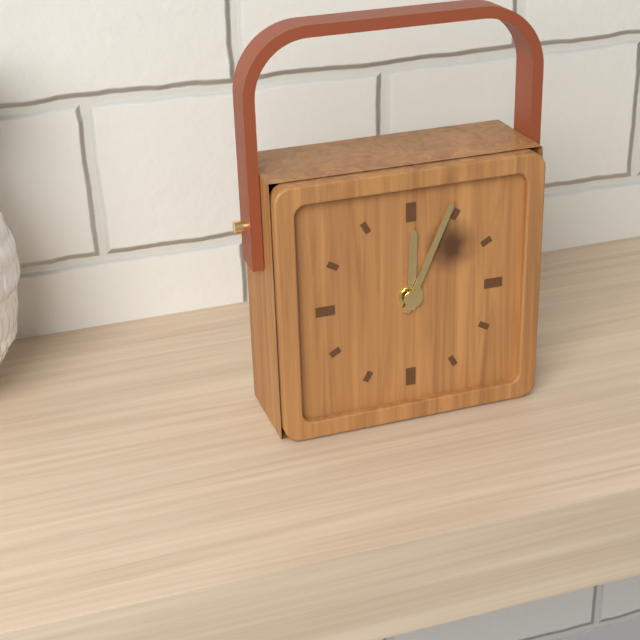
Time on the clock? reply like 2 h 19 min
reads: 12 h 04 min
